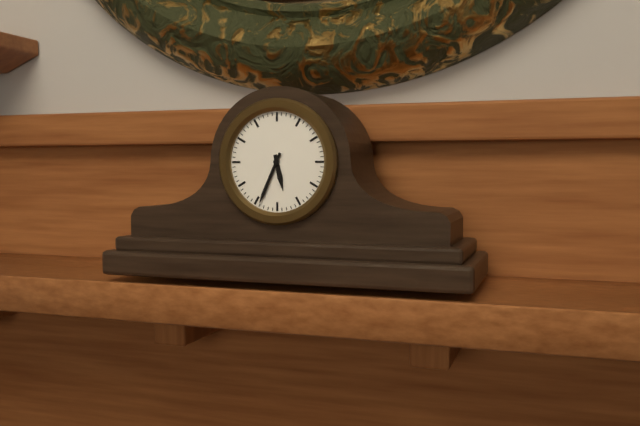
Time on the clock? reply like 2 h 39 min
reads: 5 h 34 min
